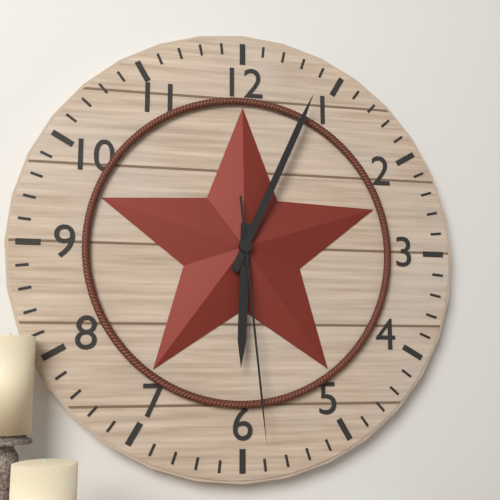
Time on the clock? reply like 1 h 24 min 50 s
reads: 6 h 04 min 29 s
